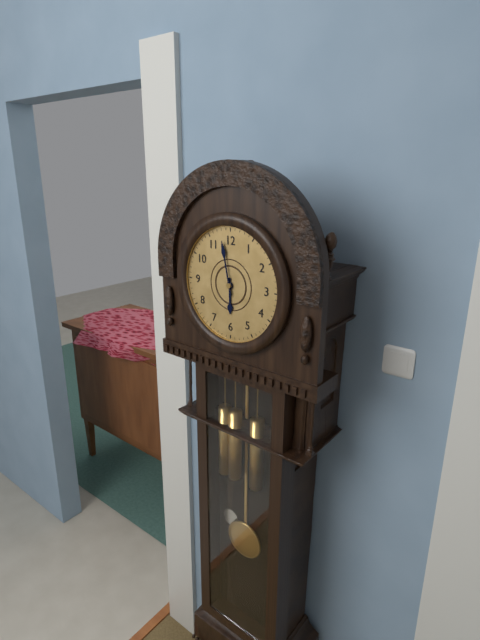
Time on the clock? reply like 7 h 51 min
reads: 5 h 58 min
